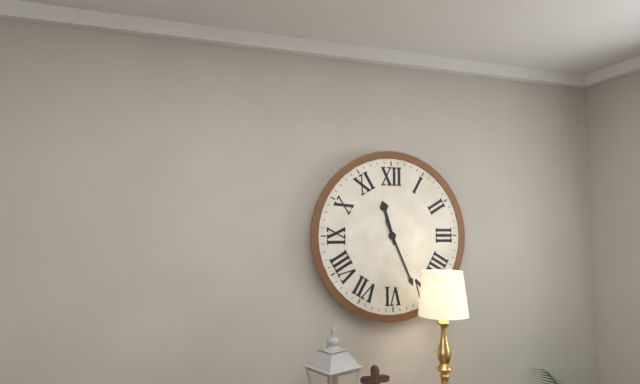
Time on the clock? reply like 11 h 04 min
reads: 11 h 26 min
